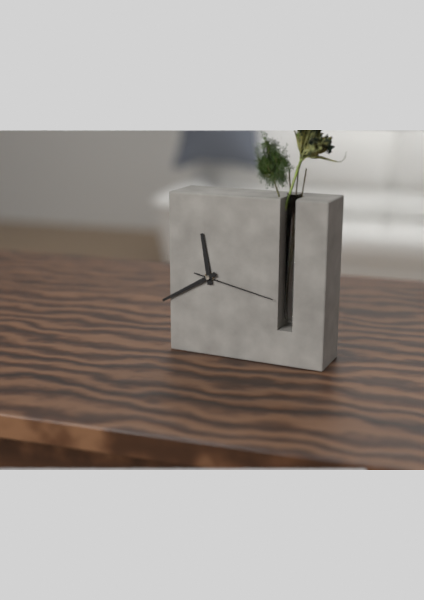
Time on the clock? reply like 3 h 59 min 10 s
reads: 11 h 40 min 17 s
